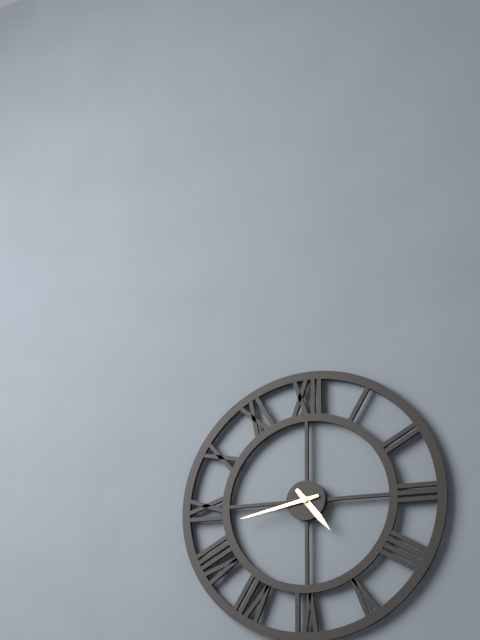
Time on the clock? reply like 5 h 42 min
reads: 4 h 43 min
